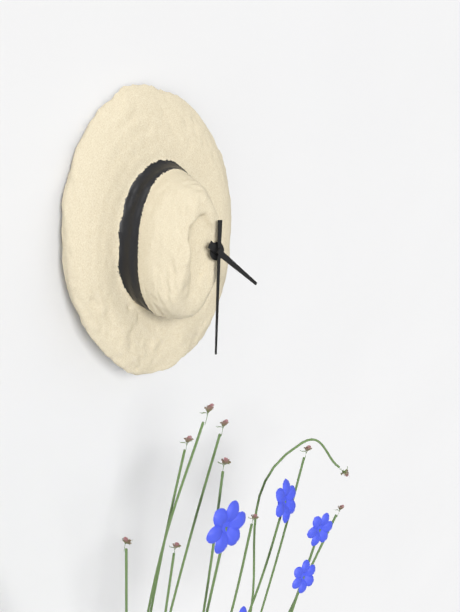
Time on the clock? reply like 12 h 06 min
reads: 4 h 32 min
